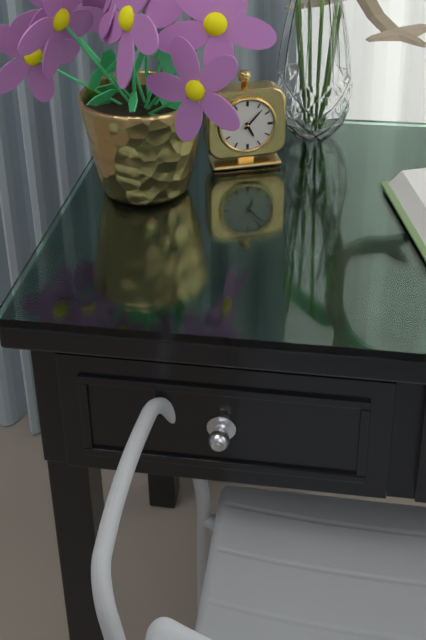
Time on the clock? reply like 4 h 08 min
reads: 5 h 07 min
